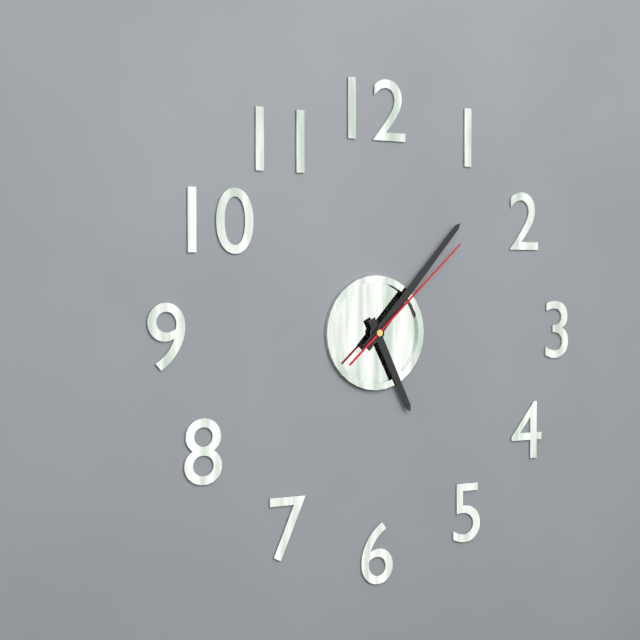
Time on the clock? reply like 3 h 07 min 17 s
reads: 5 h 07 min 08 s
